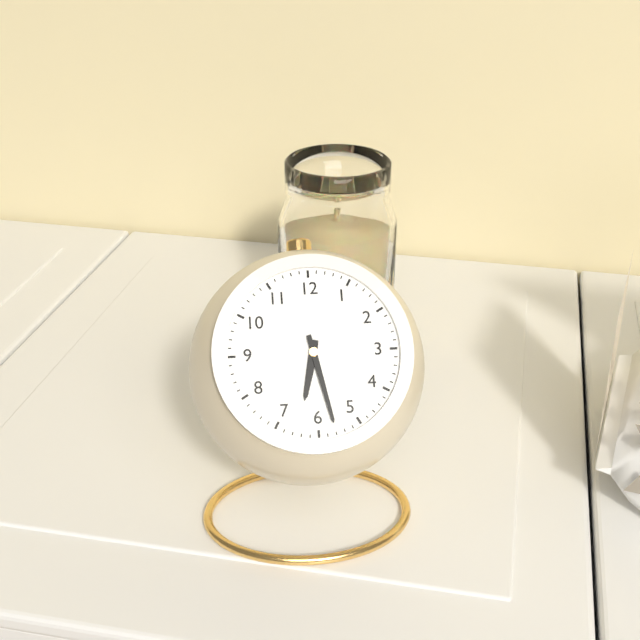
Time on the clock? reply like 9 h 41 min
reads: 6 h 28 min
